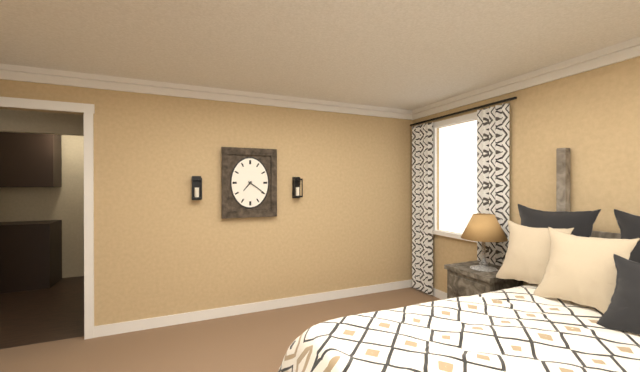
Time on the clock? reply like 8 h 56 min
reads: 7 h 21 min
